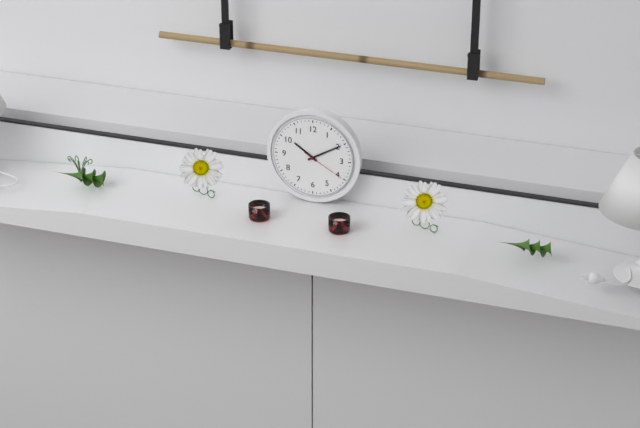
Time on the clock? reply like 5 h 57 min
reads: 10 h 10 min
